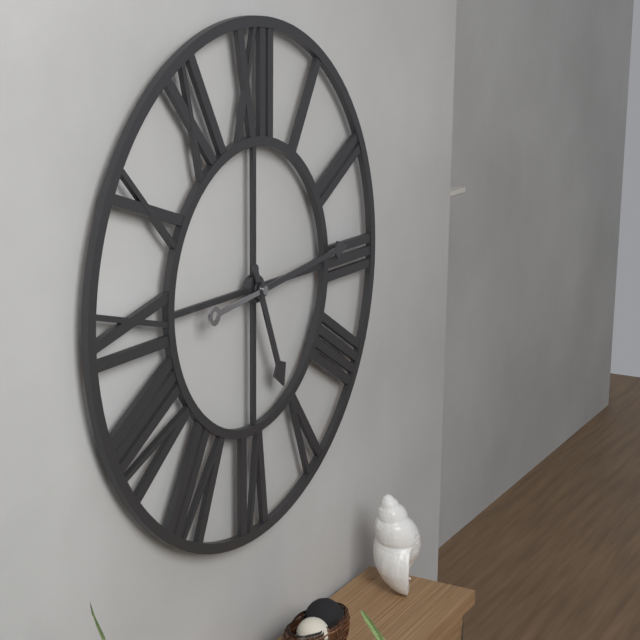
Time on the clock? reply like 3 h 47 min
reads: 5 h 14 min
